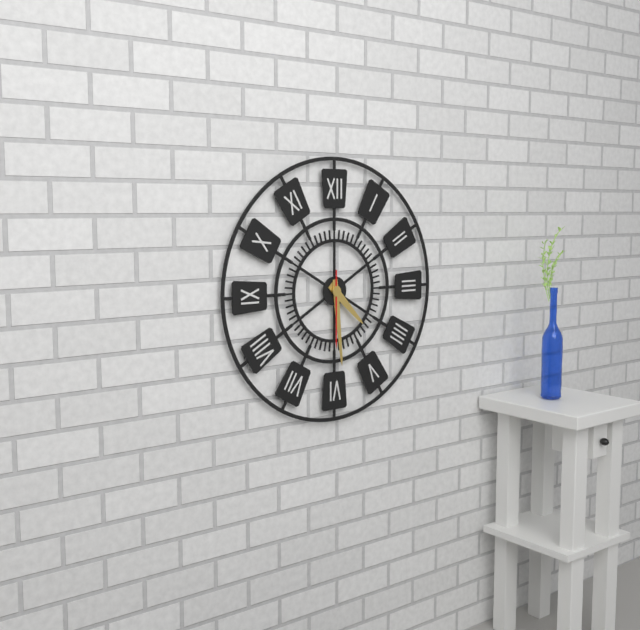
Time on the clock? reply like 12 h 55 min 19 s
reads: 4 h 29 min 30 s
